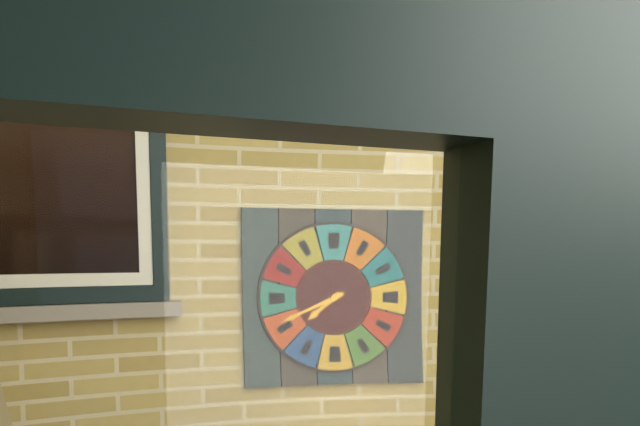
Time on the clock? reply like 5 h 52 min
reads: 7 h 41 min
